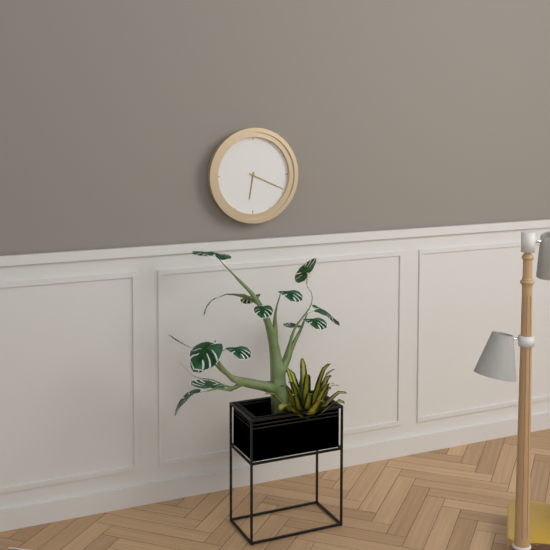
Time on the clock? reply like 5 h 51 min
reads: 6 h 19 min
